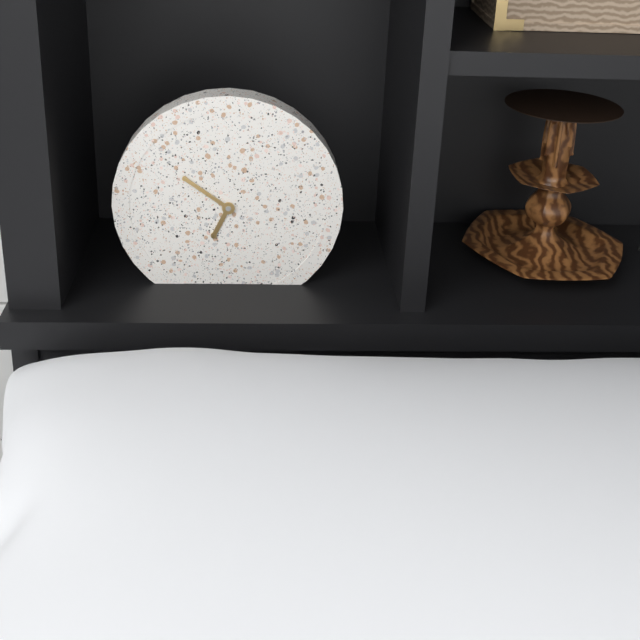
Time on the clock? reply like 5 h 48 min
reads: 6 h 51 min
